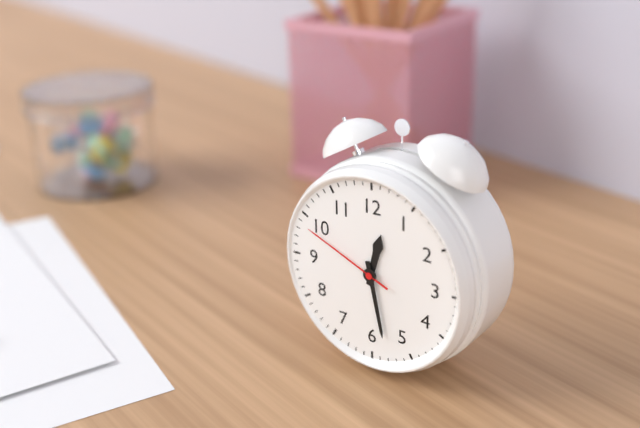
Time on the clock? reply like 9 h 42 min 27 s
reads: 12 h 28 min 49 s
